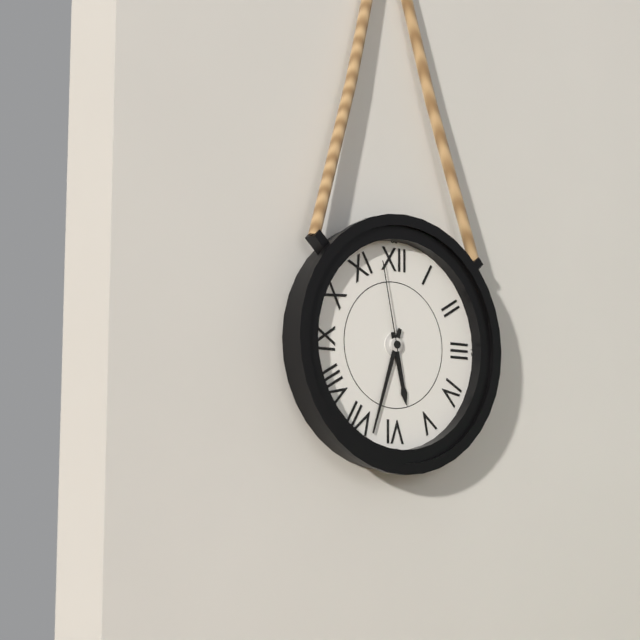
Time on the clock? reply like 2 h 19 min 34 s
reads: 5 h 33 min 58 s
